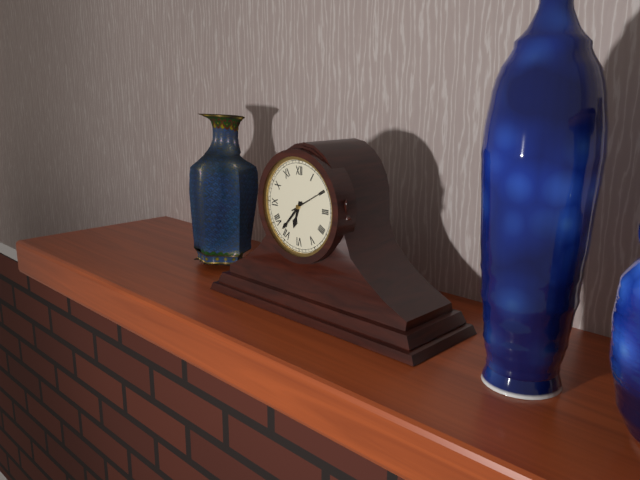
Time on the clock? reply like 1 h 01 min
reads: 6 h 37 min
